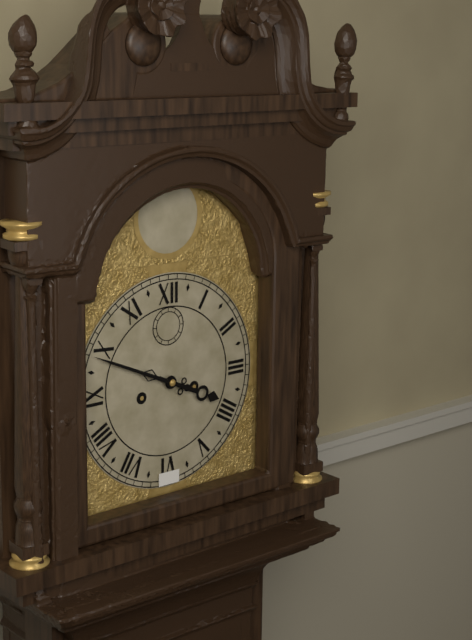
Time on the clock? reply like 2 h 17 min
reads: 3 h 49 min
